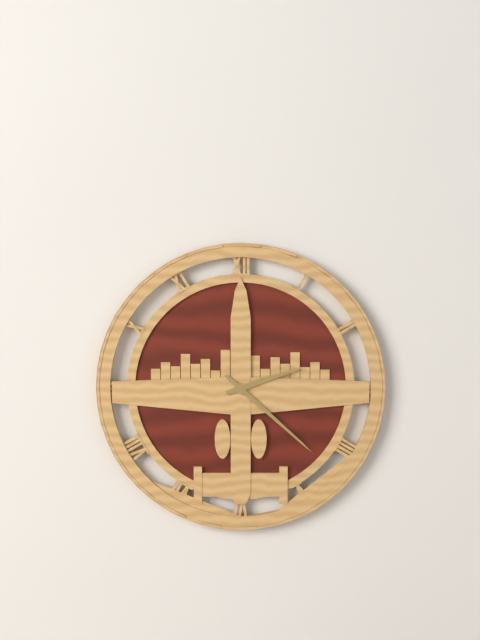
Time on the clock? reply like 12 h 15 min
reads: 2 h 22 min
